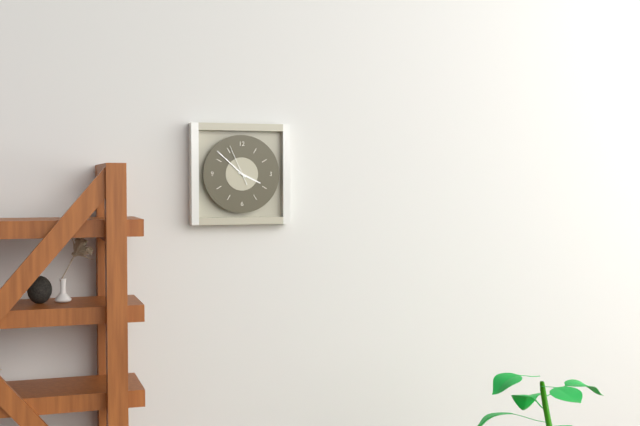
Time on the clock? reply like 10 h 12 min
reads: 3 h 52 min
